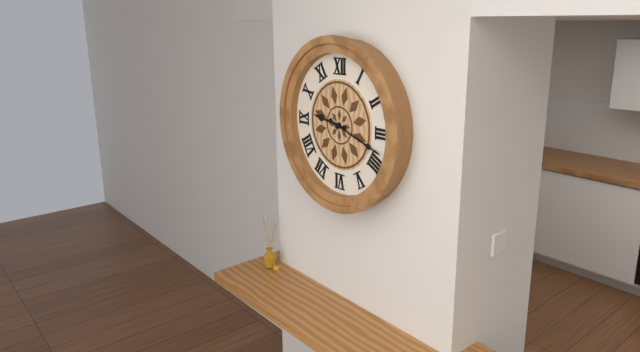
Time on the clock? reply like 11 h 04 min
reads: 9 h 18 min
